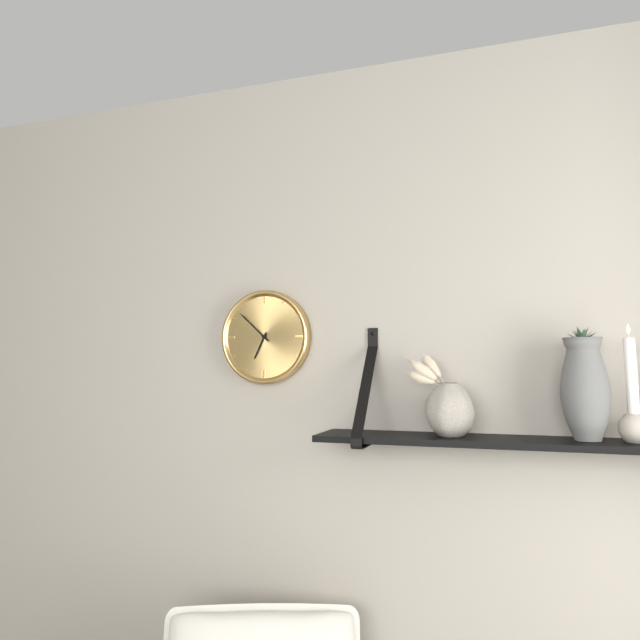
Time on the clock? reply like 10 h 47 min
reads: 6 h 52 min
